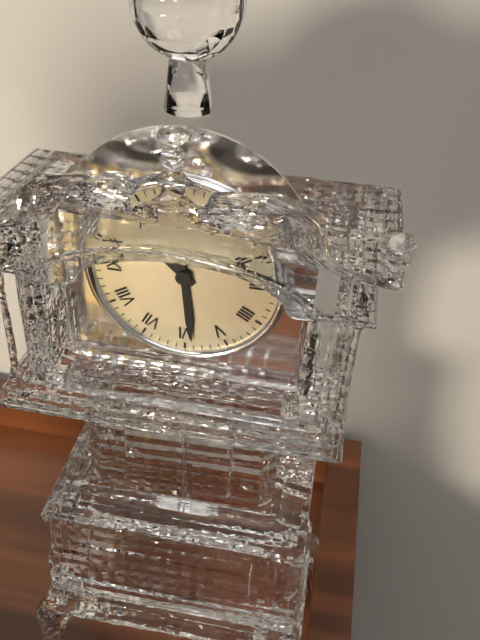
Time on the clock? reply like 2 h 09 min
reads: 10 h 29 min
